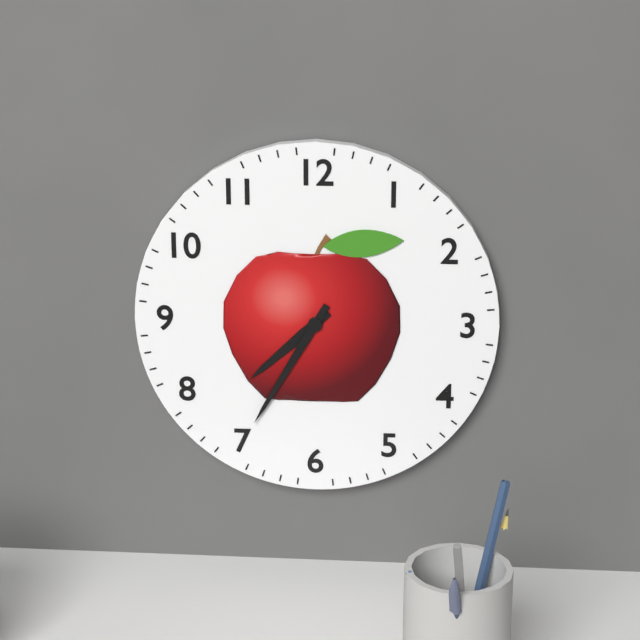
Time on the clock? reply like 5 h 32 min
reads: 7 h 35 min
